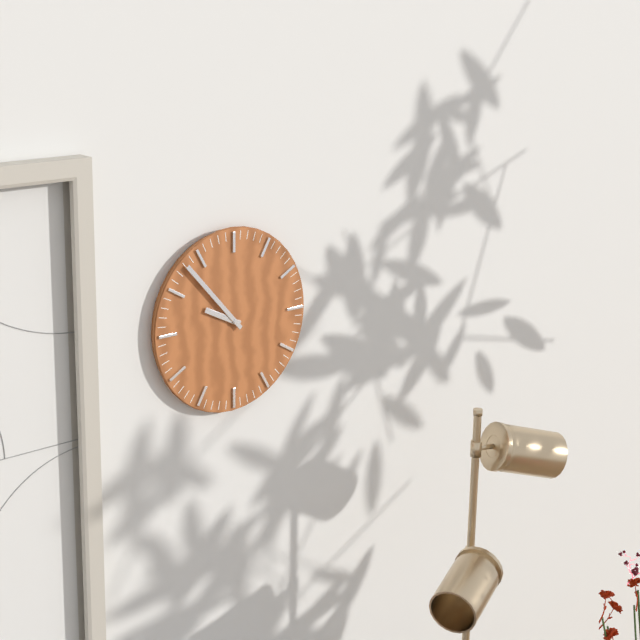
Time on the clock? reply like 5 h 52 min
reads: 9 h 53 min
